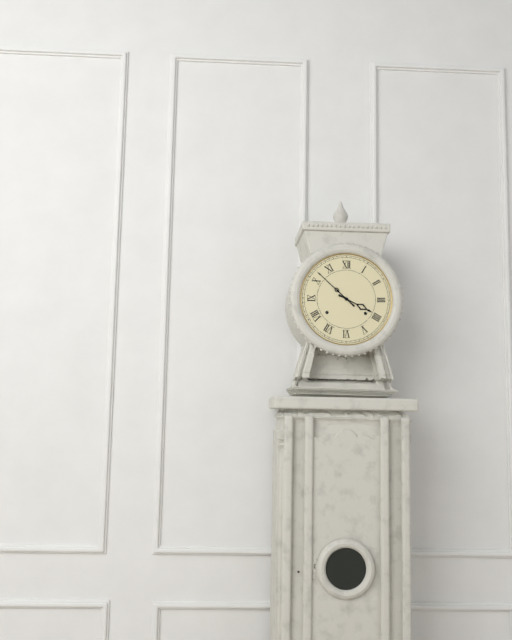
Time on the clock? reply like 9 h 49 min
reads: 3 h 52 min
